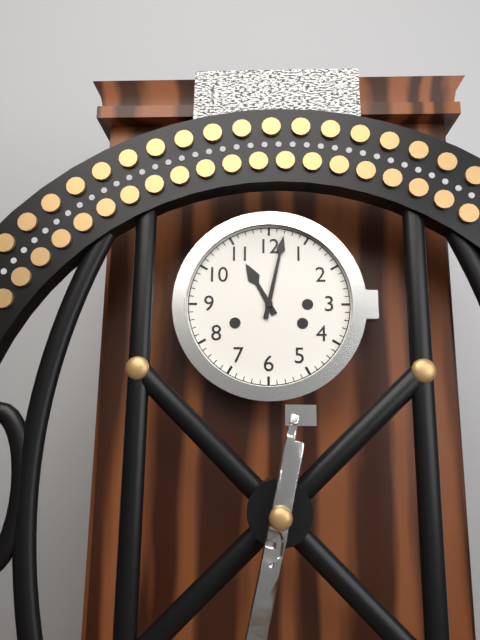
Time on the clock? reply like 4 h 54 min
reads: 11 h 02 min
